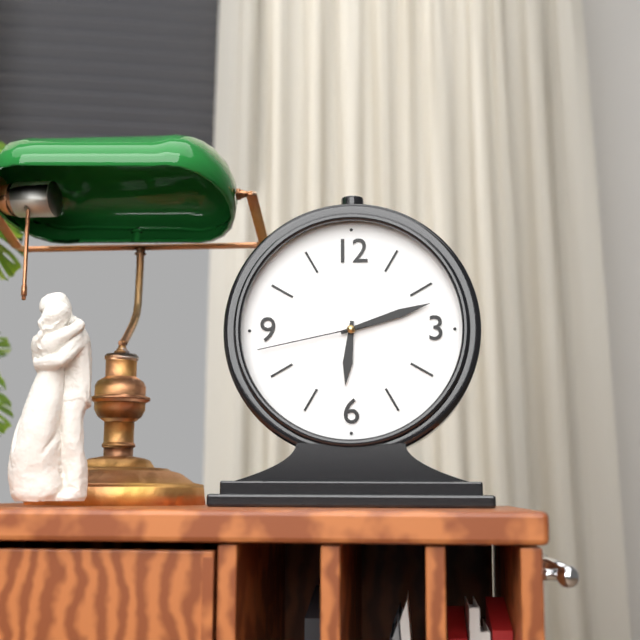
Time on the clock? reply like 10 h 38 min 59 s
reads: 6 h 12 min 43 s
